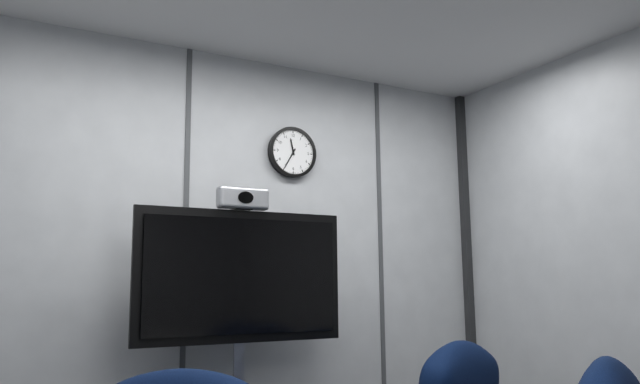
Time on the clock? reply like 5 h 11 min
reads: 11 h 35 min
